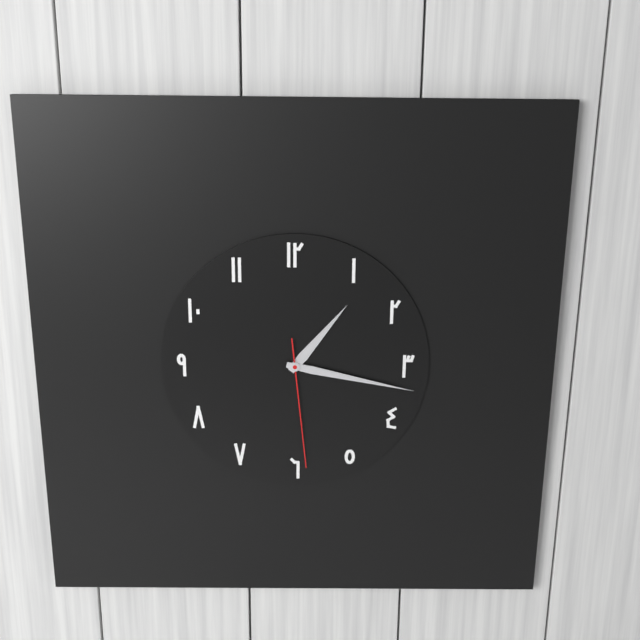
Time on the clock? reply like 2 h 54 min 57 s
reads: 1 h 17 min 29 s
